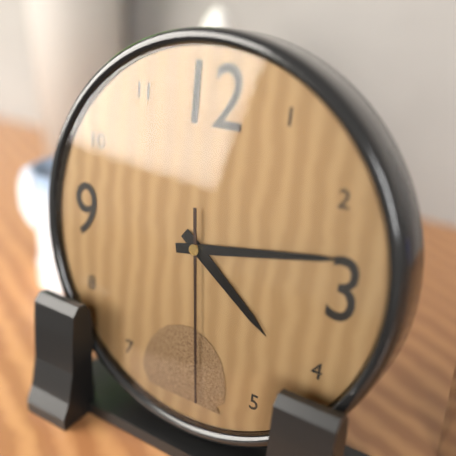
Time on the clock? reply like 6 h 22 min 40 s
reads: 4 h 13 min 29 s
